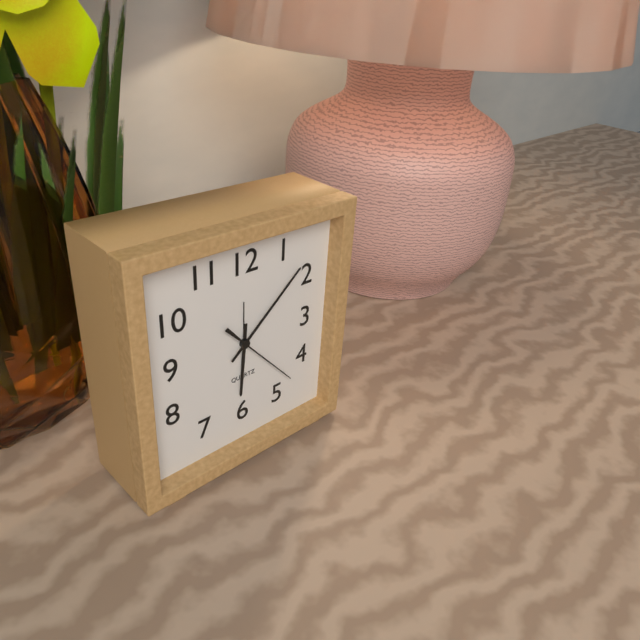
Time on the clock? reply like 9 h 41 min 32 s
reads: 6 h 08 min 23 s
